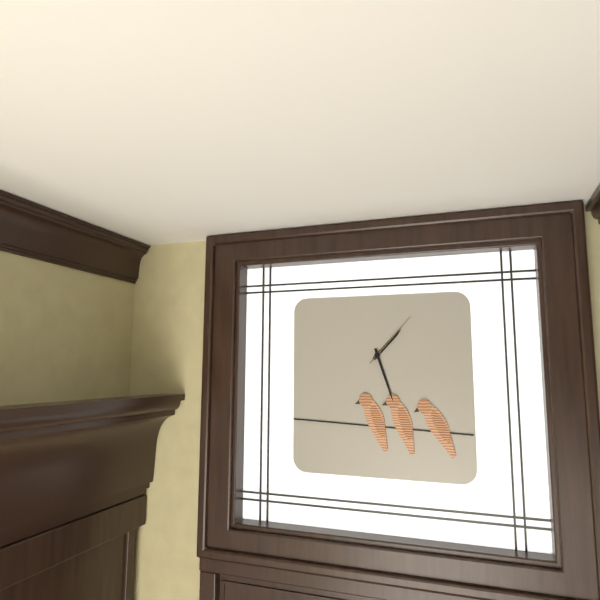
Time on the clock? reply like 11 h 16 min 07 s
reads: 1 h 27 min 07 s
